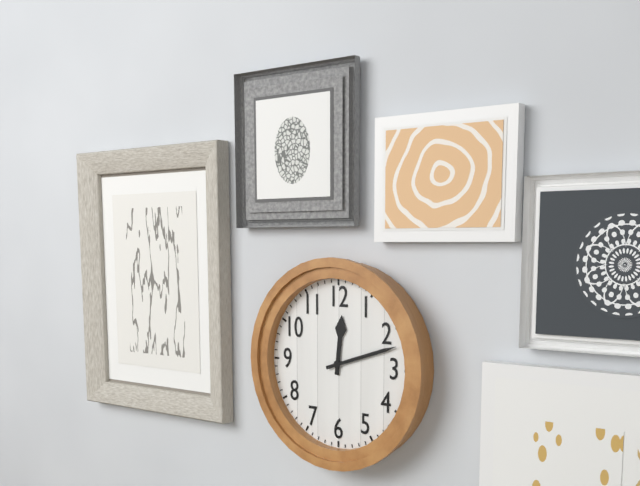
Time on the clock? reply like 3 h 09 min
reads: 12 h 12 min
